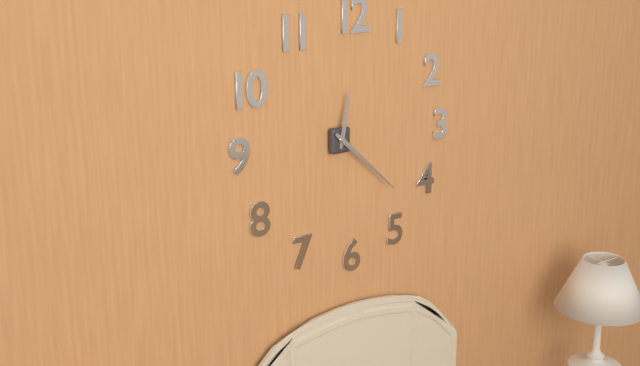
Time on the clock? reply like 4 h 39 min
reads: 12 h 22 min
